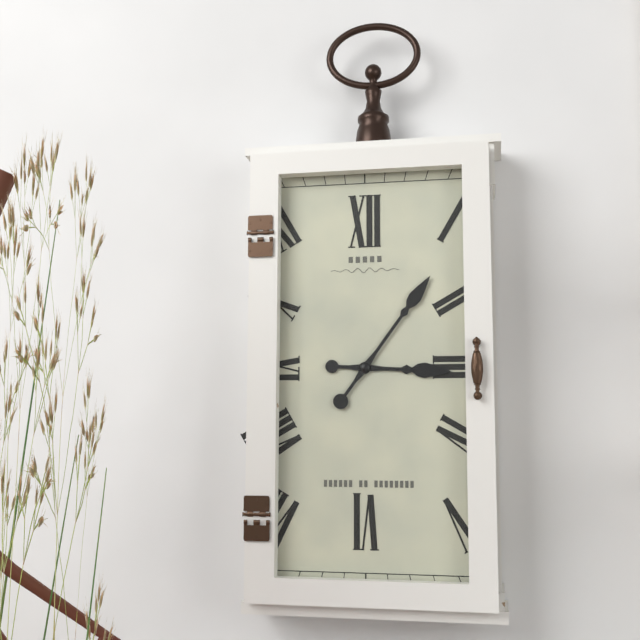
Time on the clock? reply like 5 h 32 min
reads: 3 h 06 min
